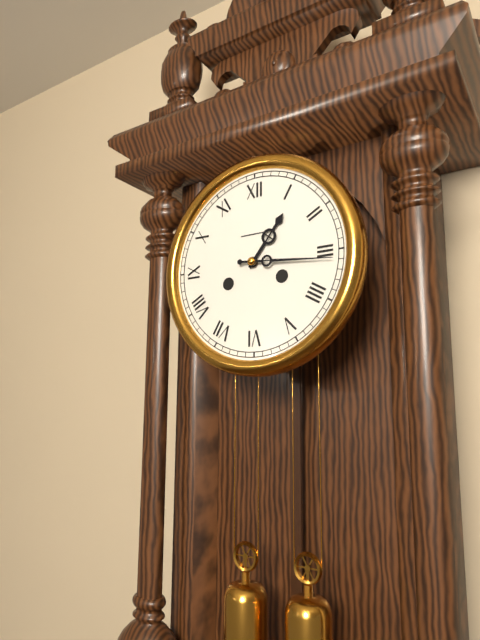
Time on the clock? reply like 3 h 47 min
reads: 1 h 16 min
